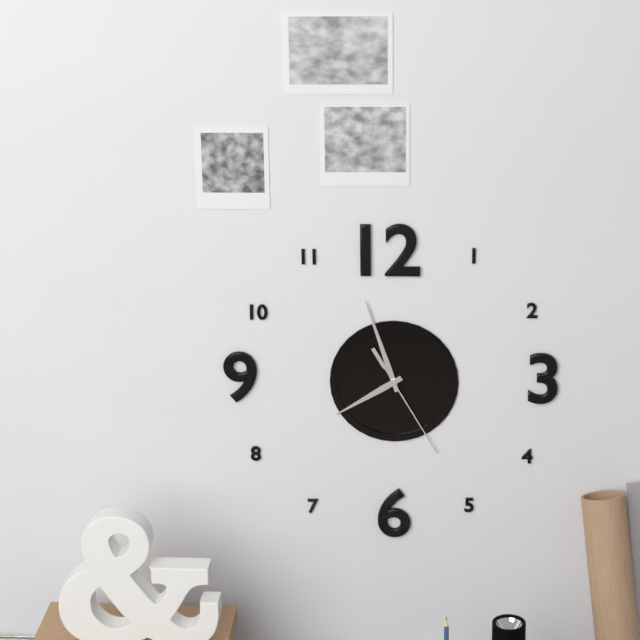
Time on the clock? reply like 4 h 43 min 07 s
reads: 7 h 57 min 25 s
